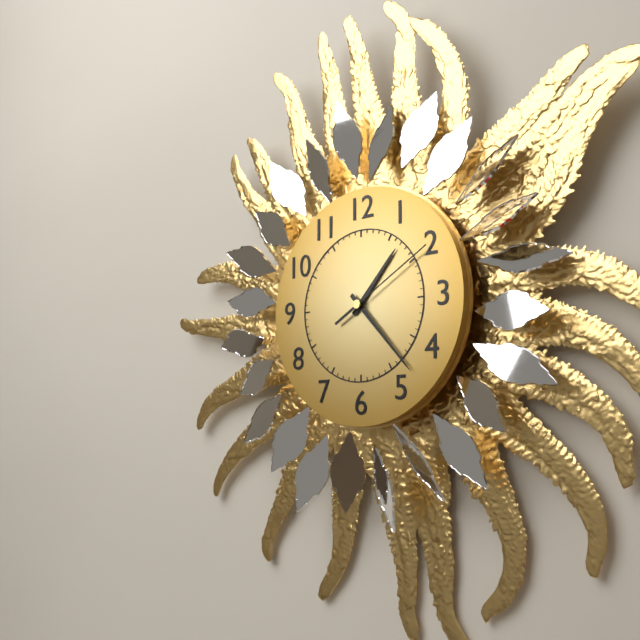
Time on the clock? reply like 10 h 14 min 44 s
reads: 1 h 23 min 10 s
